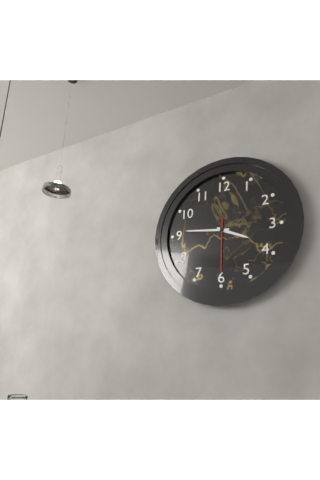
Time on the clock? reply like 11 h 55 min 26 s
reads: 3 h 46 min 30 s
